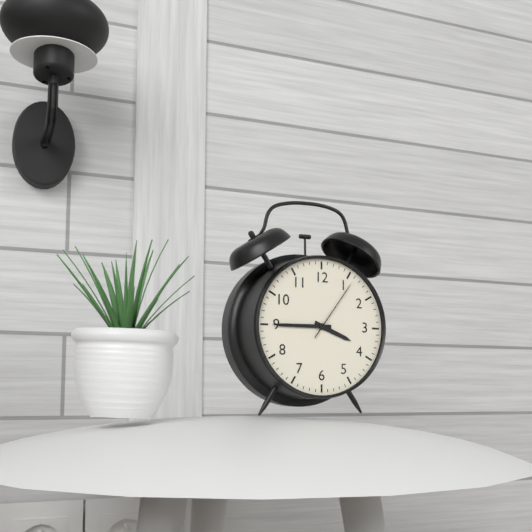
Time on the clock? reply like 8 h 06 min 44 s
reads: 3 h 45 min 06 s
